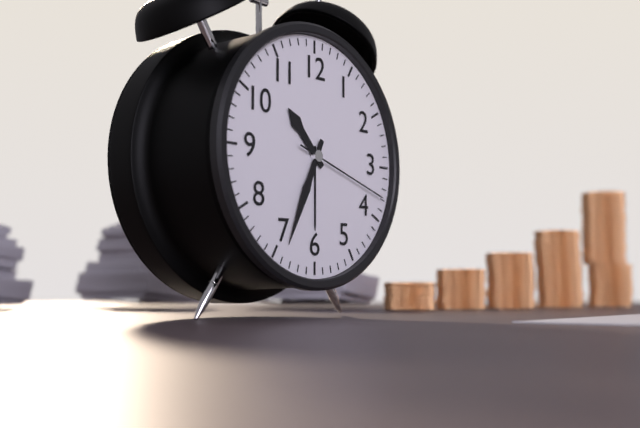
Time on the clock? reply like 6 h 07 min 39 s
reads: 10 h 34 min 18 s
